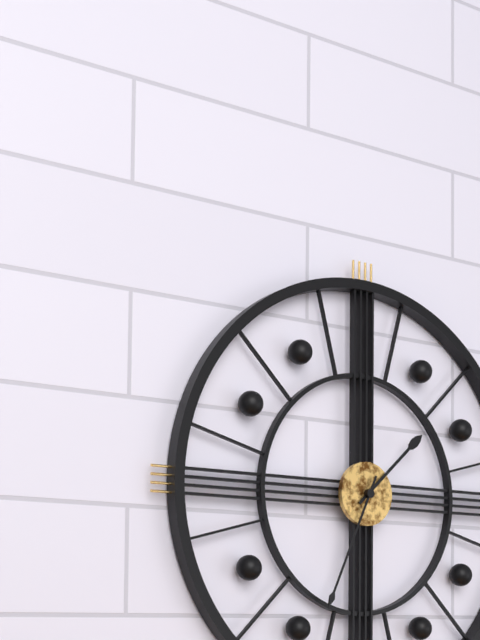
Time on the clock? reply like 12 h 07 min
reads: 1 h 34 min
